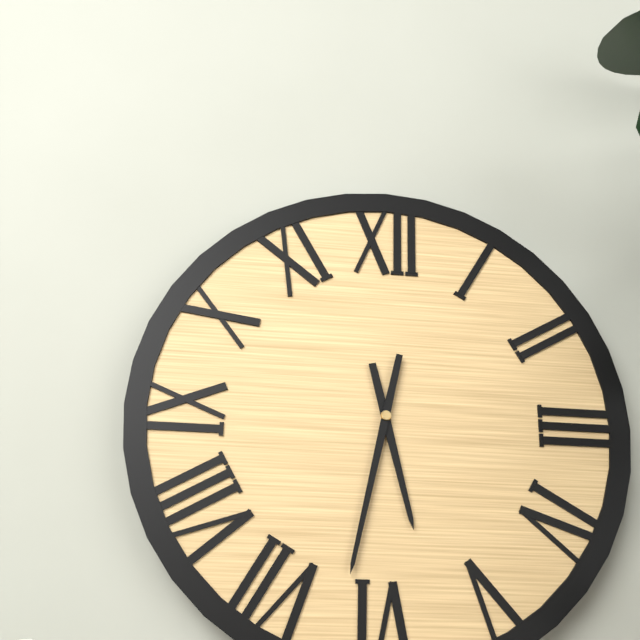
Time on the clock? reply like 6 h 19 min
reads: 5 h 32 min
